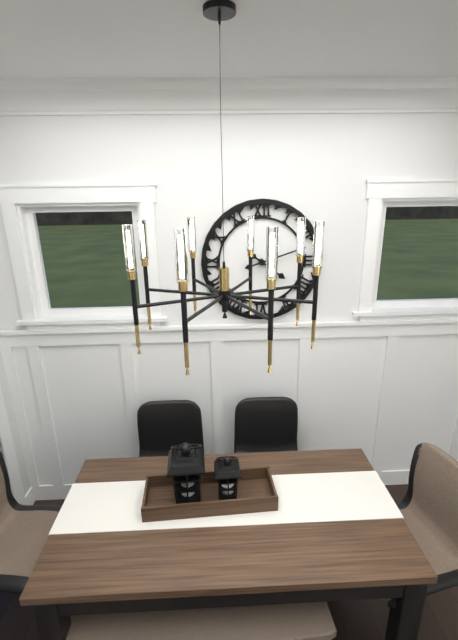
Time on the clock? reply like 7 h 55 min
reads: 4 h 12 min
